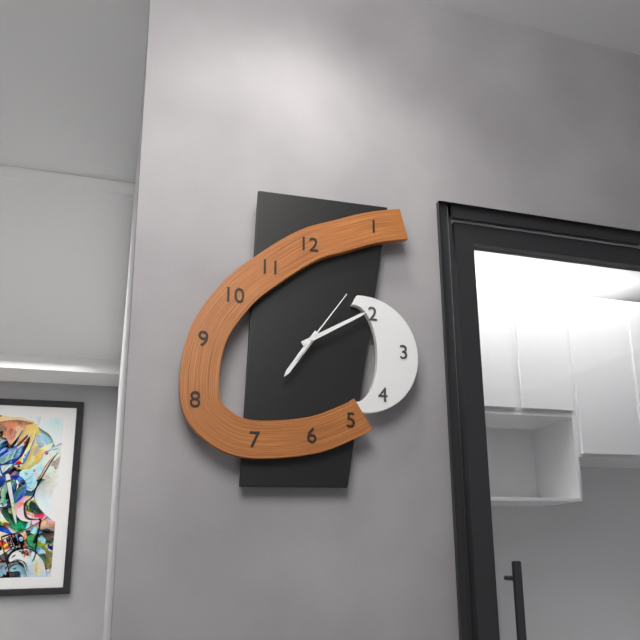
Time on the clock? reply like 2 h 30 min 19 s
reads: 7 h 10 min 06 s
